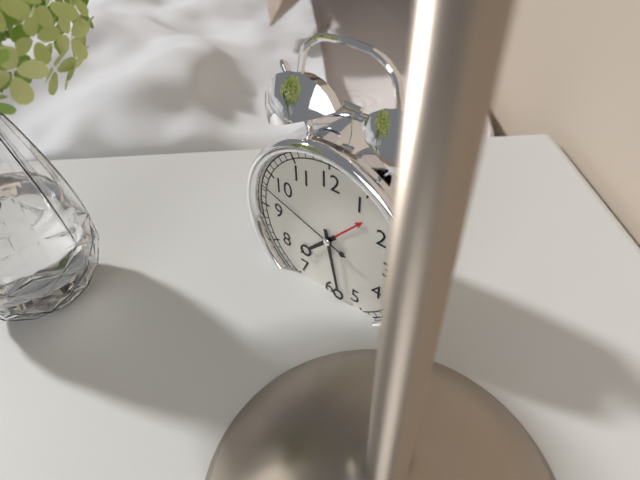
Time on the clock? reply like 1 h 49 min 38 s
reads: 7 h 28 min 48 s
